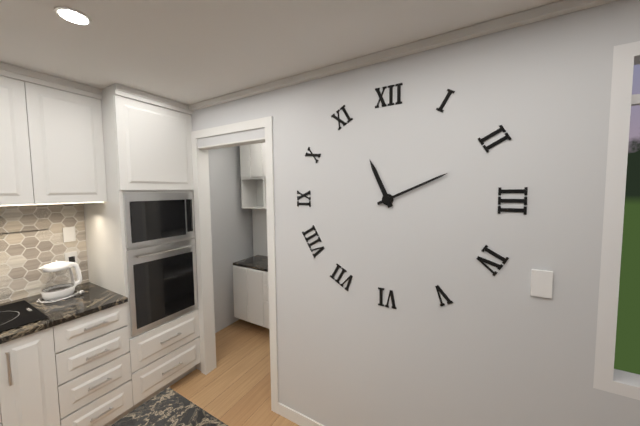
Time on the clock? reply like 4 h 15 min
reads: 11 h 11 min
